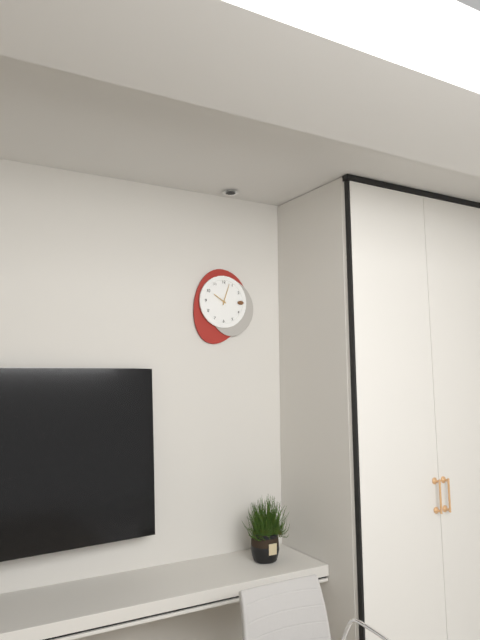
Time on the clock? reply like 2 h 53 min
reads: 10 h 03 min
